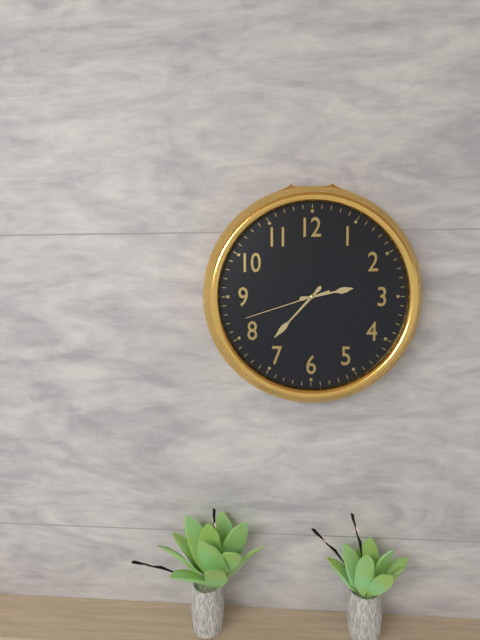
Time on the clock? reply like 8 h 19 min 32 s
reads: 2 h 37 min 42 s
